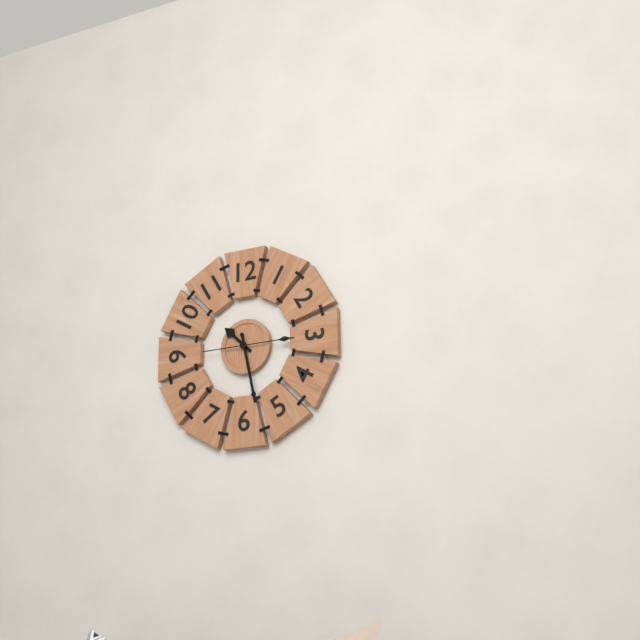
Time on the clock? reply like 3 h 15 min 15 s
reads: 10 h 28 min 15 s
